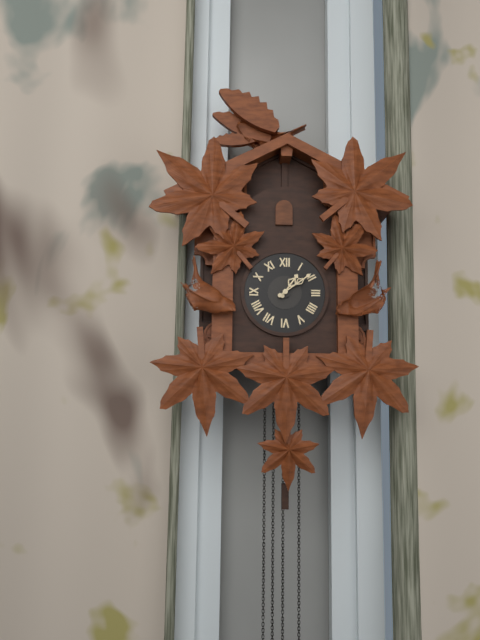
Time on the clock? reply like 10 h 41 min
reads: 1 h 09 min
